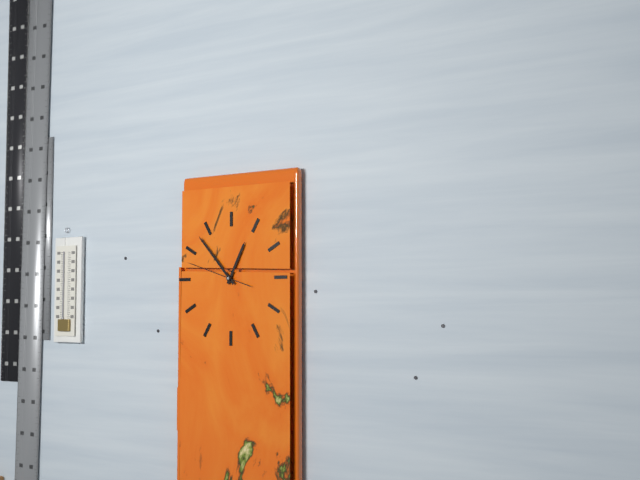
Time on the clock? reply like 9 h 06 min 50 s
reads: 12 h 53 min 48 s
